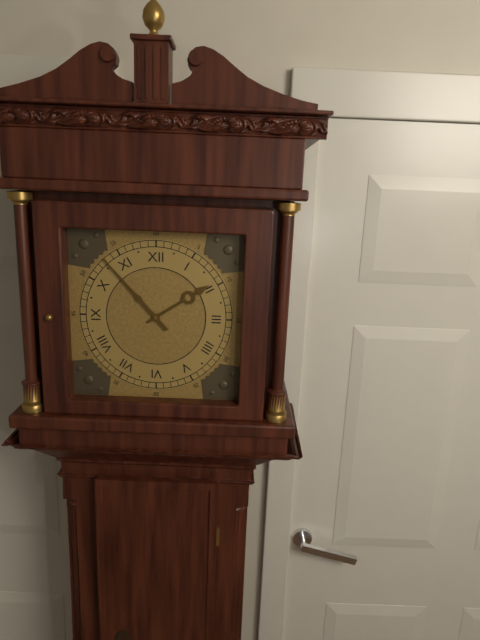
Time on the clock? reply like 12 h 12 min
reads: 1 h 53 min
